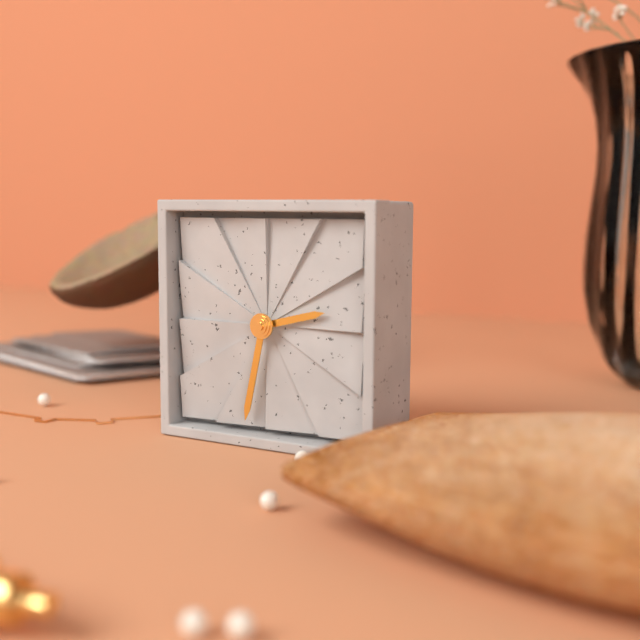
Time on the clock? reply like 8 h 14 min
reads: 2 h 32 min
